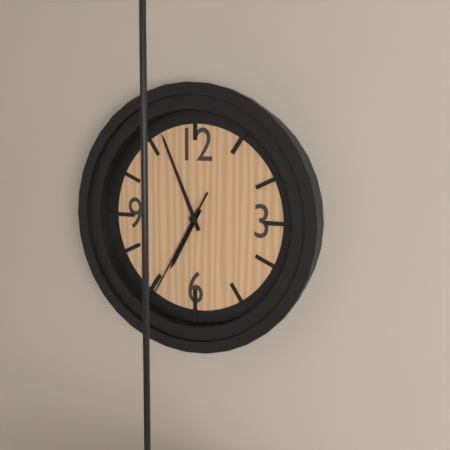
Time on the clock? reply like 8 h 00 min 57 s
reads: 6 h 56 min 35 s
